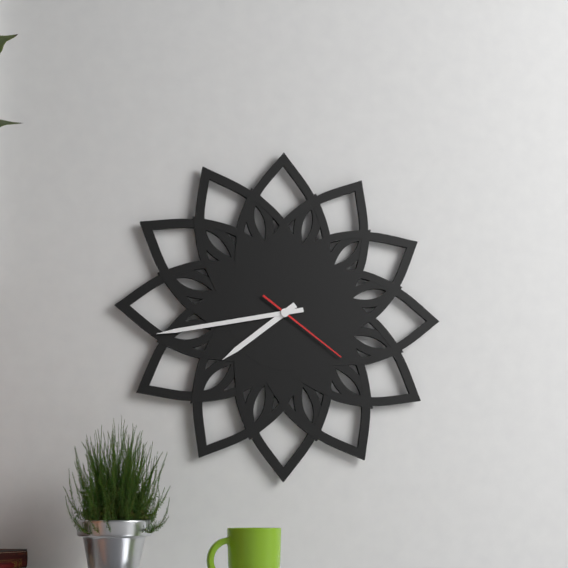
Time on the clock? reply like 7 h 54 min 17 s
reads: 7 h 43 min 21 s
